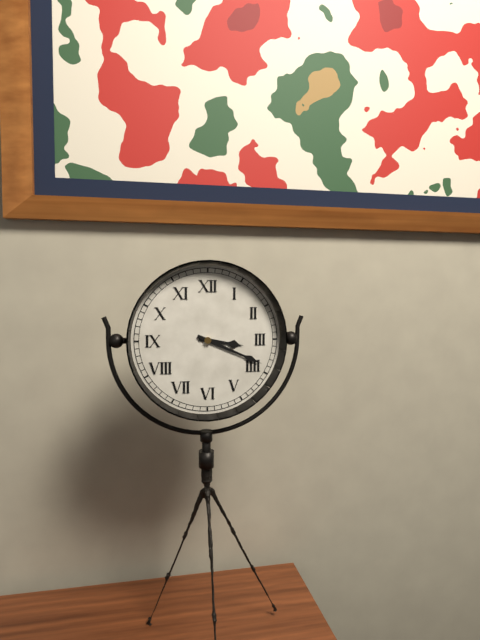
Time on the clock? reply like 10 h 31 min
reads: 3 h 19 min
